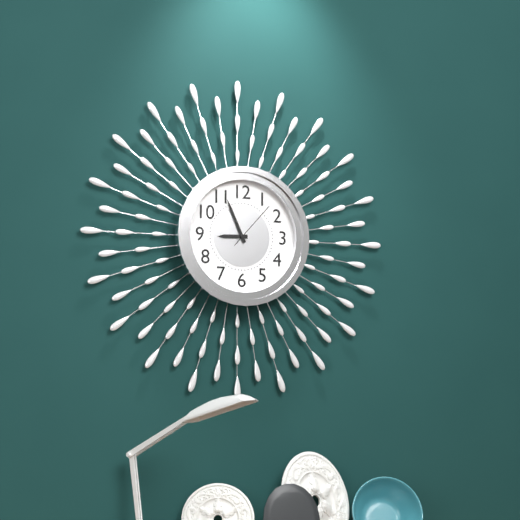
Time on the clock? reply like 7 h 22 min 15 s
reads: 8 h 56 min 07 s
